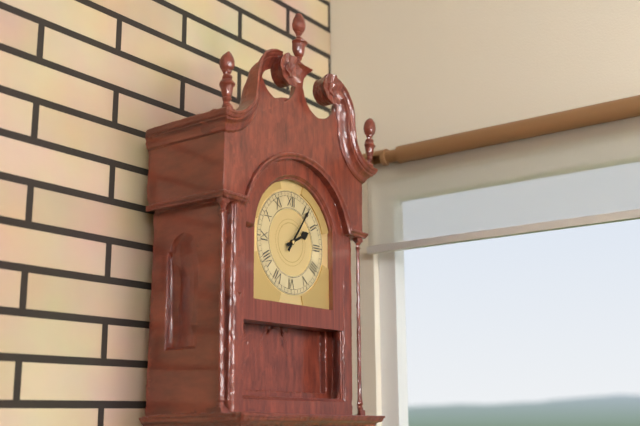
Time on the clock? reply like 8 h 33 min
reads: 2 h 06 min
